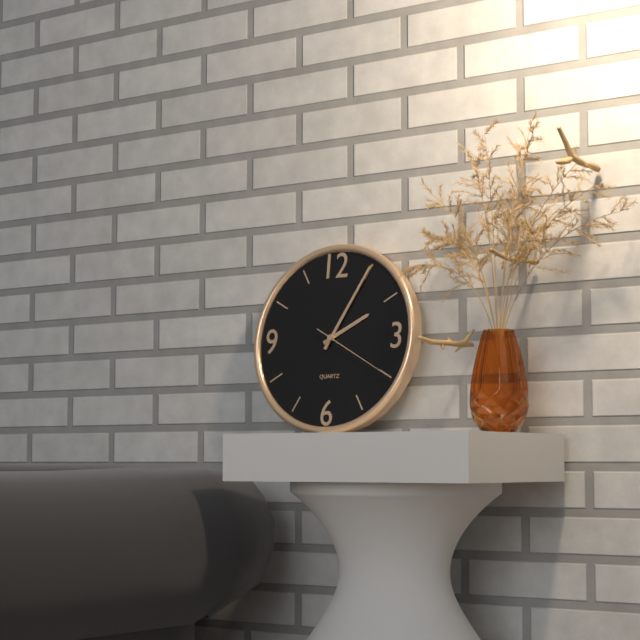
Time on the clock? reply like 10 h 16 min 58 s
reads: 2 h 05 min 20 s
